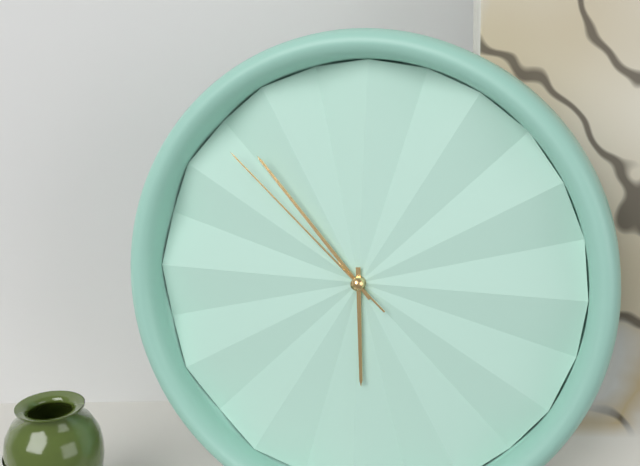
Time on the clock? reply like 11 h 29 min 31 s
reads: 5 h 53 min 52 s
